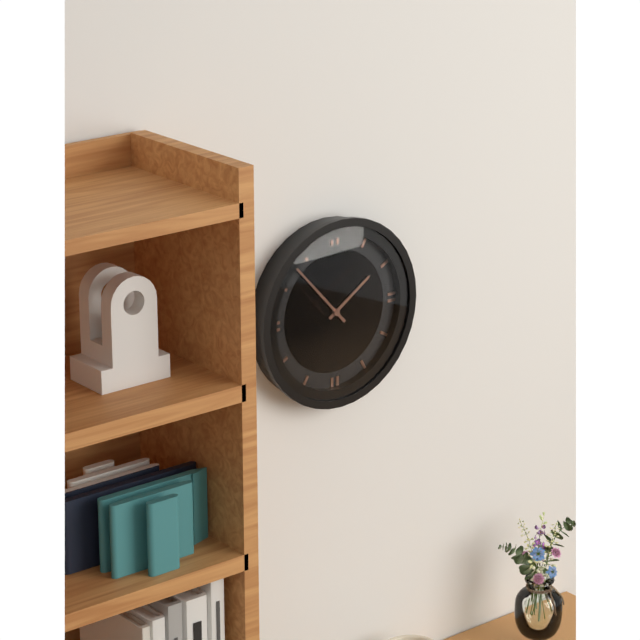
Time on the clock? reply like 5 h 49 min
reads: 1 h 53 min
